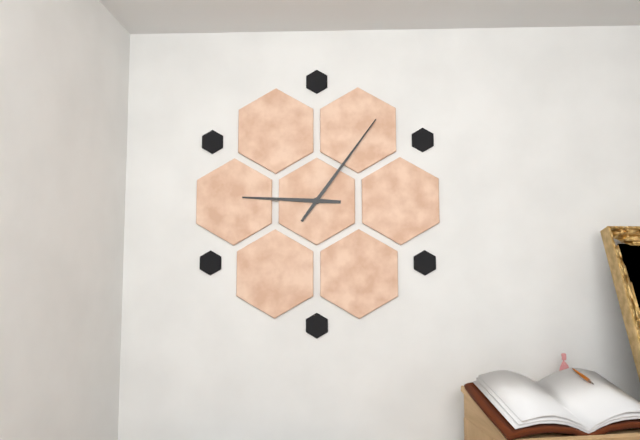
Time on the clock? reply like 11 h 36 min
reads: 9 h 06 min
